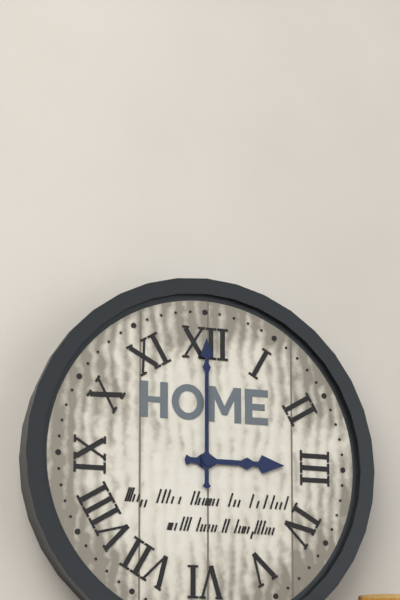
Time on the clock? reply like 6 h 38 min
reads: 3 h 00 min
